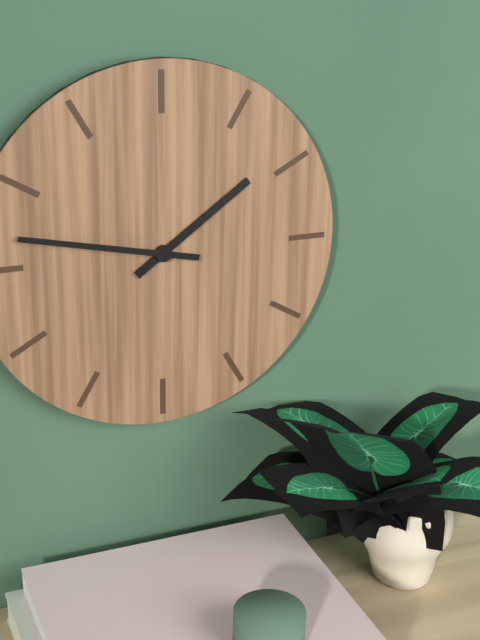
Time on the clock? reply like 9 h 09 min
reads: 1 h 47 min
